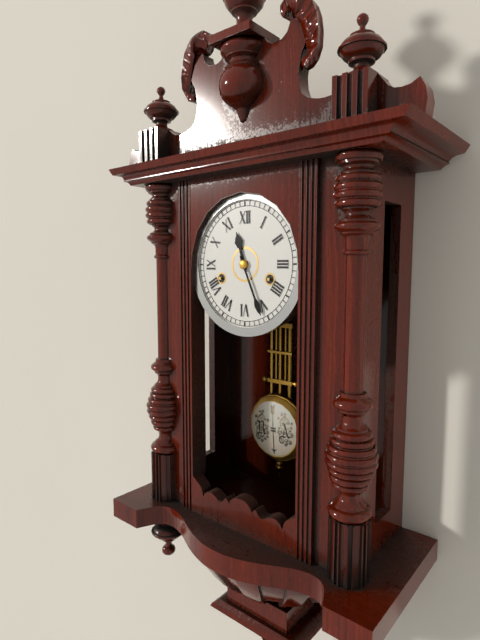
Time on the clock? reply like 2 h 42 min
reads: 11 h 26 min
